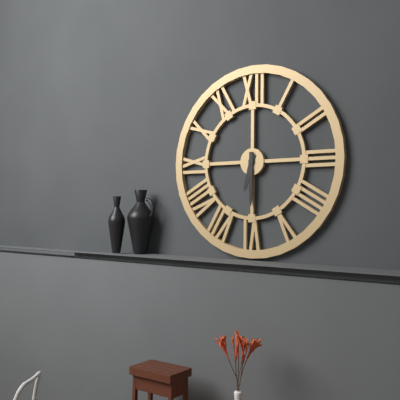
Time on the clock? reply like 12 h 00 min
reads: 6 h 30 min
